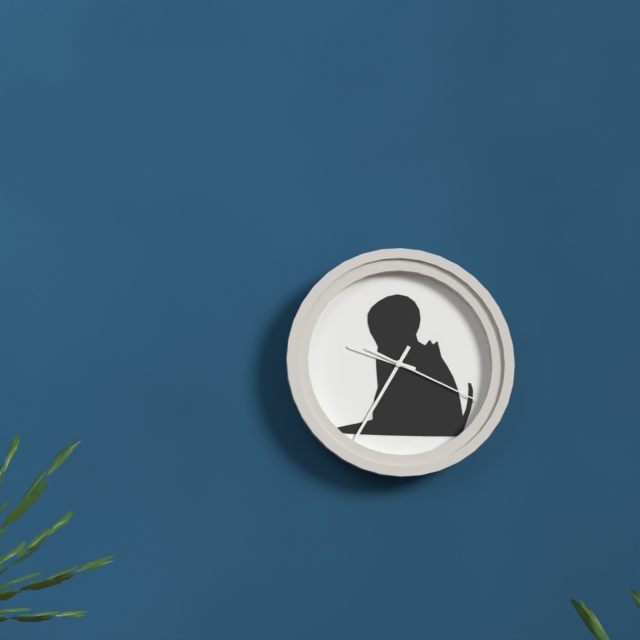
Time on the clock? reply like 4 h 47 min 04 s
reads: 9 h 35 min 19 s
